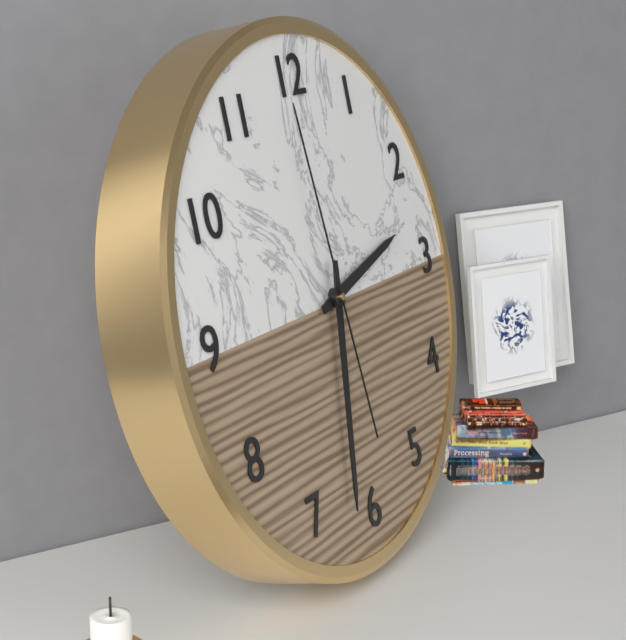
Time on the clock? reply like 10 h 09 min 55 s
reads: 2 h 32 min 59 s
